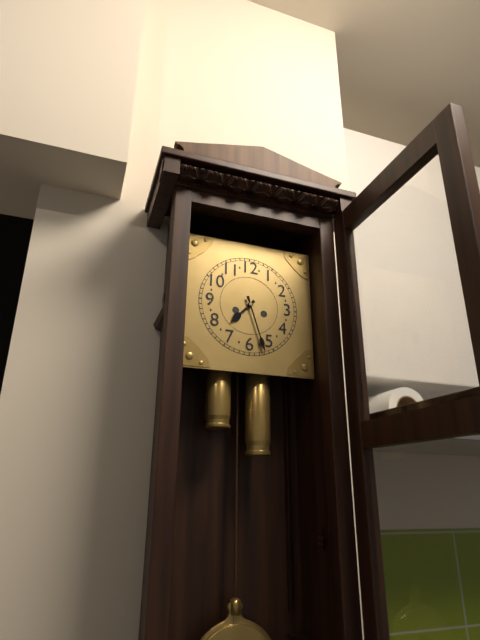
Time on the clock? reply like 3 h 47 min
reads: 7 h 27 min
